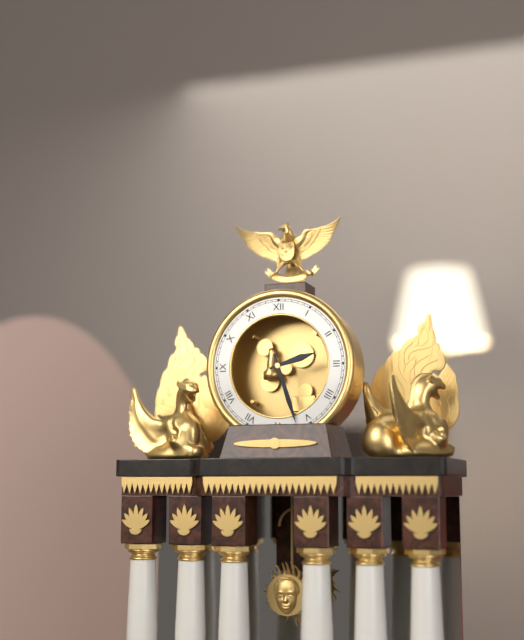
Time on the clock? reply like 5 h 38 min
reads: 2 h 27 min
